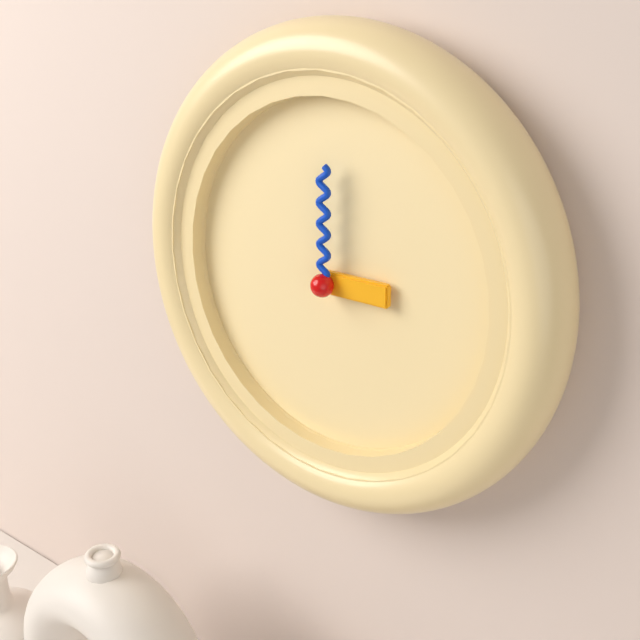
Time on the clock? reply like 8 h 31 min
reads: 3 h 00 min
